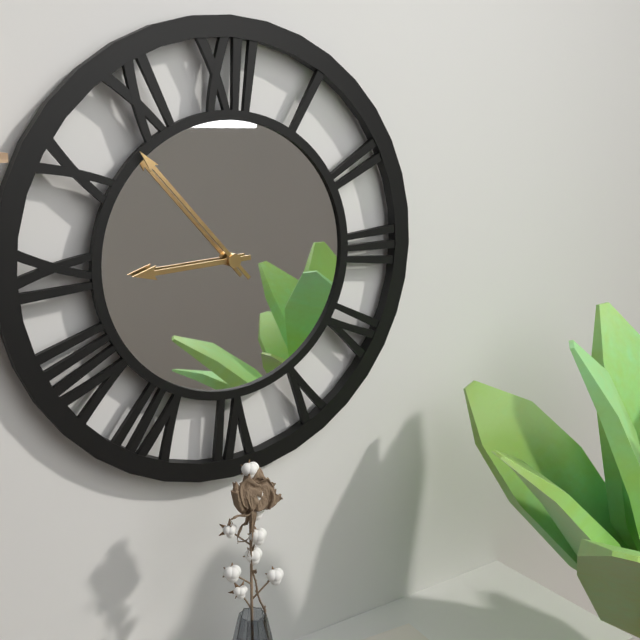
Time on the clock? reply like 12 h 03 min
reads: 8 h 53 min
